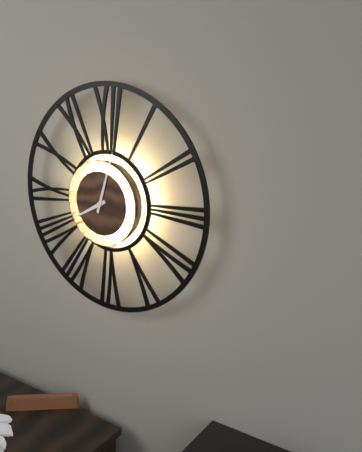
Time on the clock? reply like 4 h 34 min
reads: 8 h 03 min
